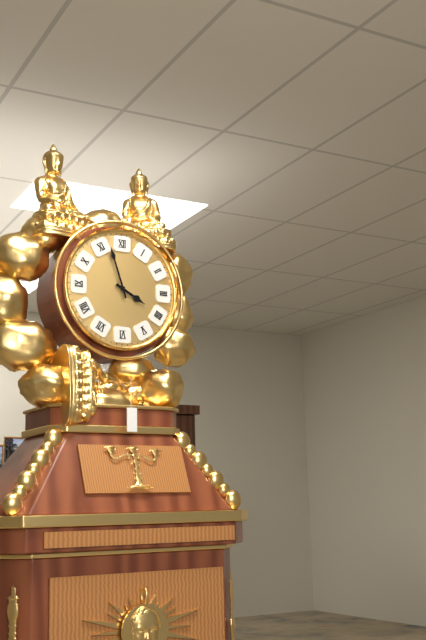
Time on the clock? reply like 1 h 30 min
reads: 3 h 57 min
